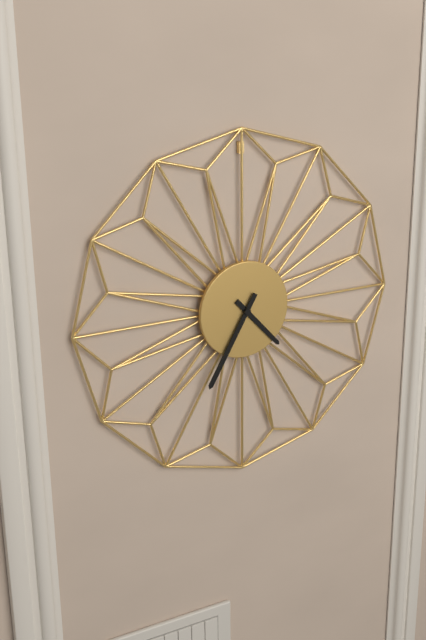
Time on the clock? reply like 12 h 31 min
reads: 4 h 35 min
